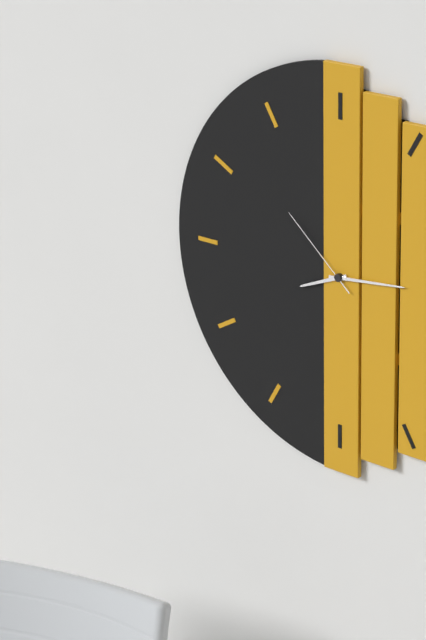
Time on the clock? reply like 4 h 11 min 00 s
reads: 8 h 14 min 52 s
